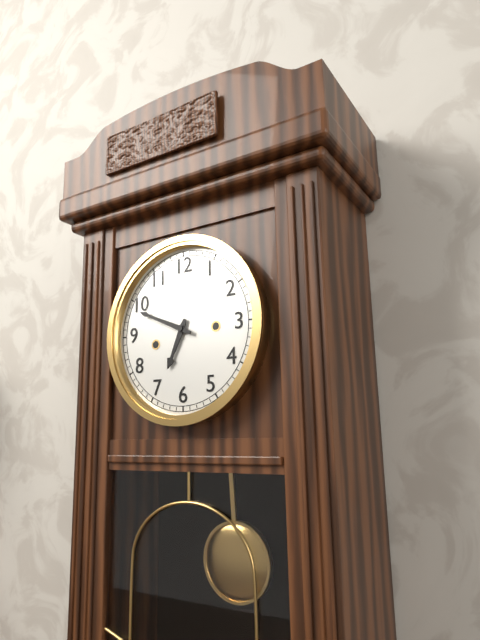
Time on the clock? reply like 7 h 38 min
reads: 6 h 49 min
